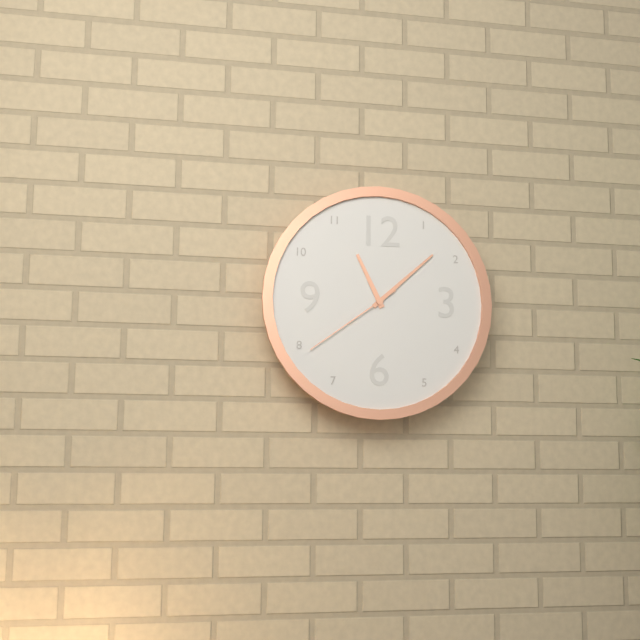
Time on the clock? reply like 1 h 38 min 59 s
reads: 11 h 08 min 39 s
